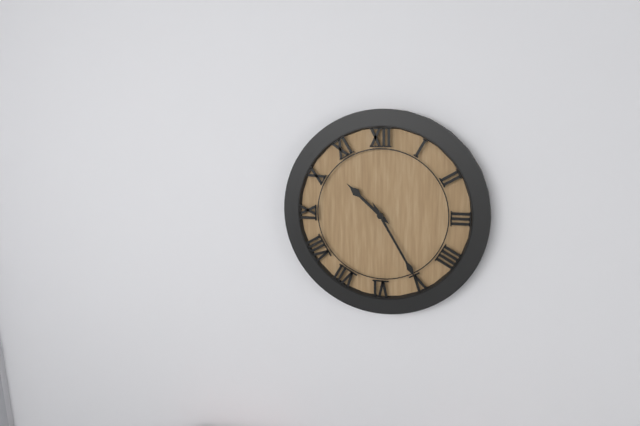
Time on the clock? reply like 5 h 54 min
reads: 10 h 25 min
